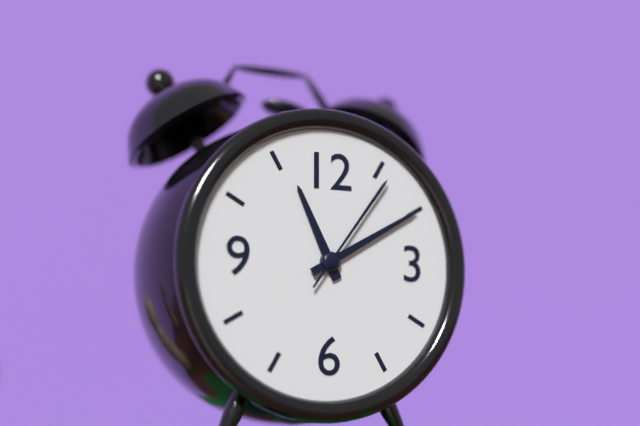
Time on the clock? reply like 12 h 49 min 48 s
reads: 11 h 10 min 06 s
